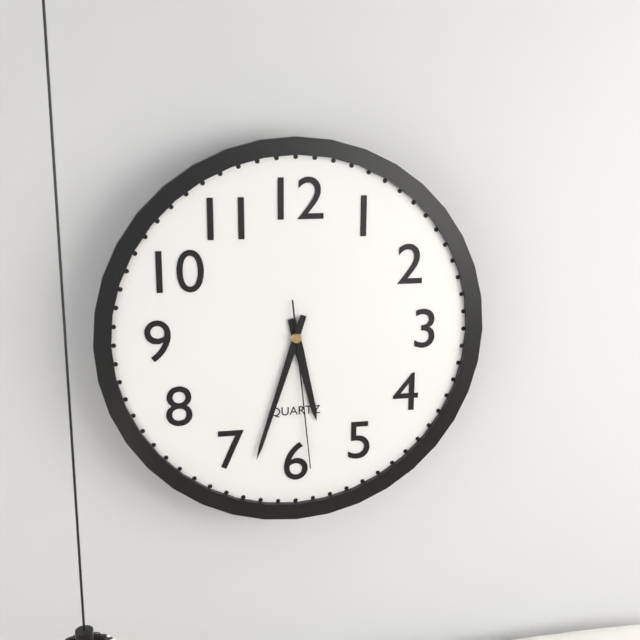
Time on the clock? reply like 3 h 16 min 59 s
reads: 5 h 33 min 29 s
